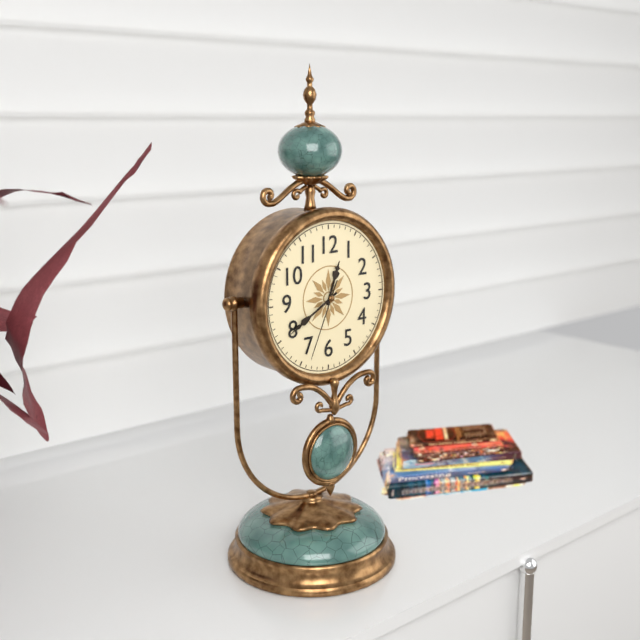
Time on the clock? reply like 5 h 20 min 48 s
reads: 12 h 40 min 34 s
